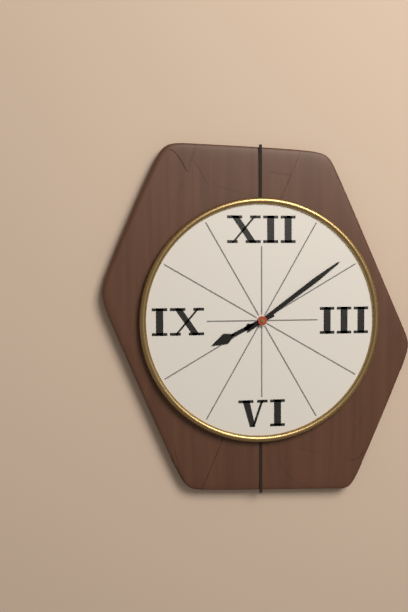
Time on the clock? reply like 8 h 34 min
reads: 8 h 09 min
